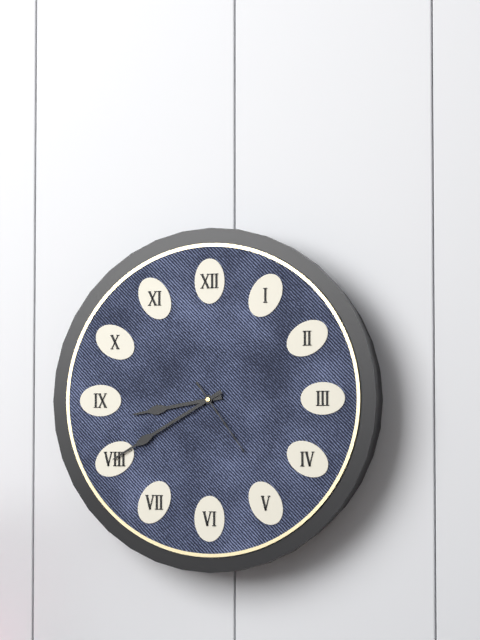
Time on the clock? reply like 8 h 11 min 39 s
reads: 8 h 40 min 24 s
